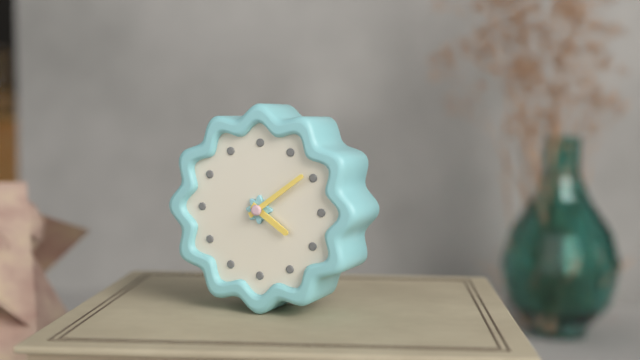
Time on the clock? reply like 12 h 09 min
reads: 4 h 09 min
